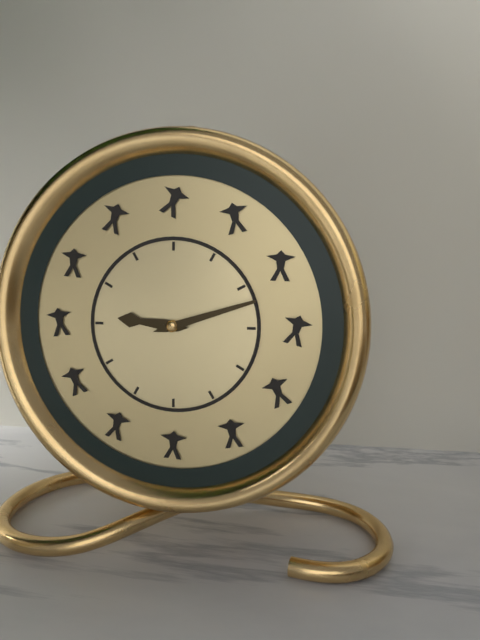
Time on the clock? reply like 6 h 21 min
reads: 9 h 12 min
